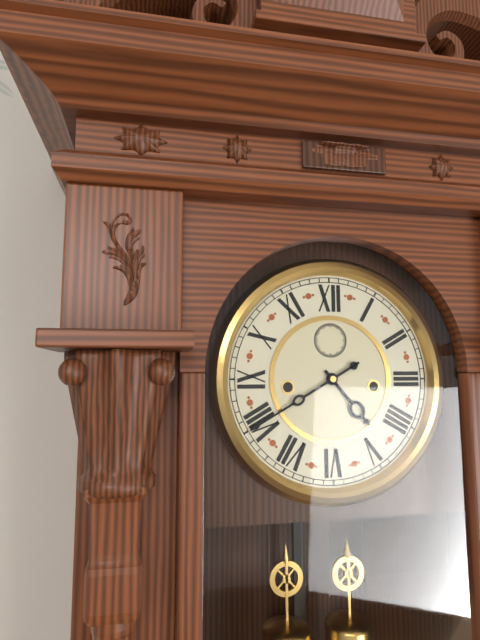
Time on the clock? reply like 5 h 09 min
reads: 4 h 40 min
